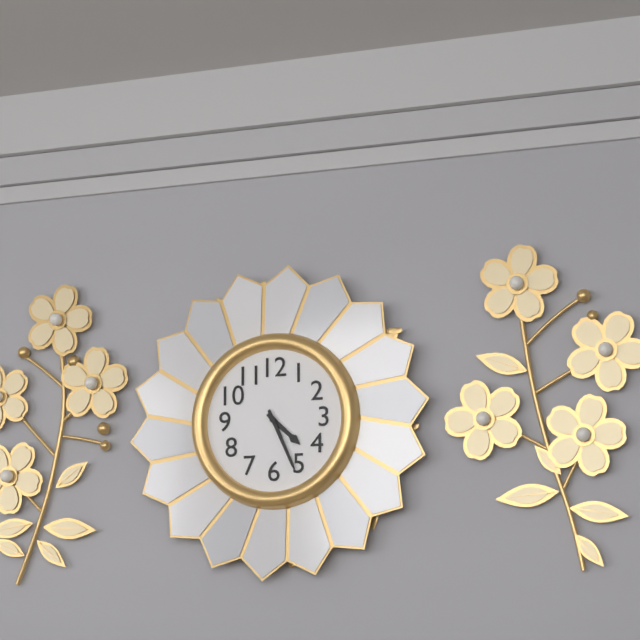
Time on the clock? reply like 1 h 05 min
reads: 4 h 26 min
